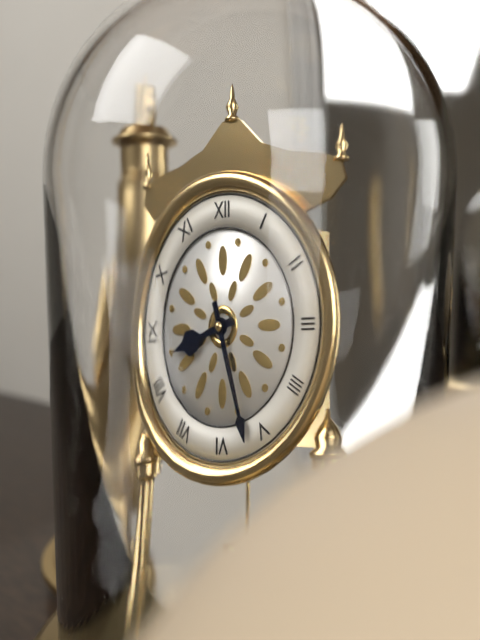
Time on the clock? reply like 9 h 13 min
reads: 8 h 27 min
